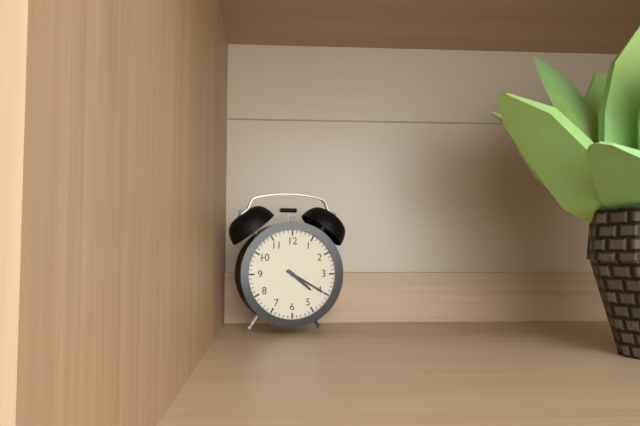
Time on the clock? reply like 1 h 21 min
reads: 4 h 20 min
